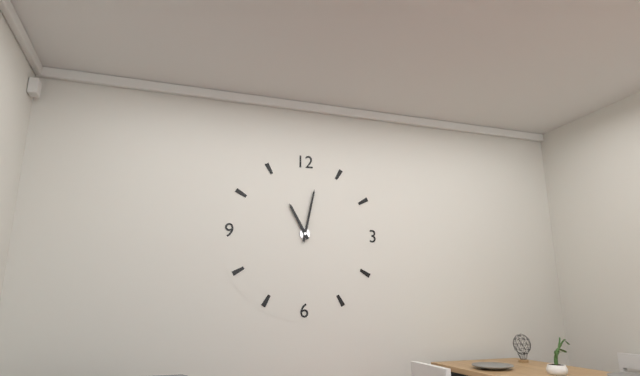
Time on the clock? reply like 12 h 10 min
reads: 11 h 02 min
